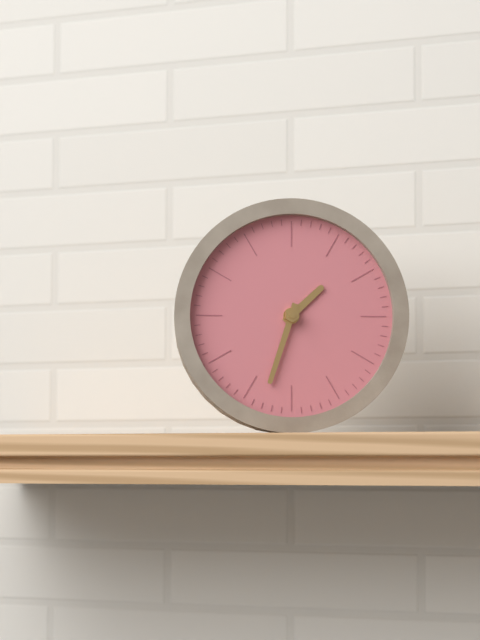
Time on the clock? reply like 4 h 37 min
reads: 1 h 33 min
